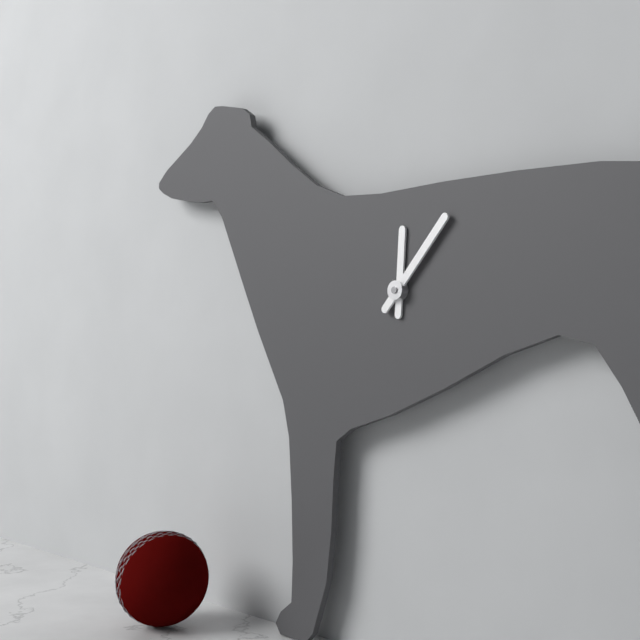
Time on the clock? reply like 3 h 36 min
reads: 12 h 07 min
